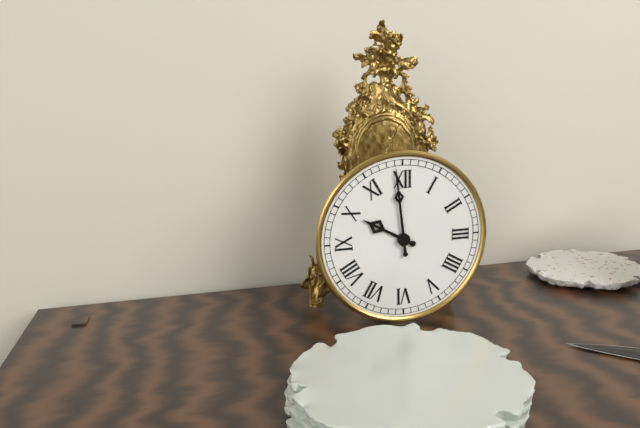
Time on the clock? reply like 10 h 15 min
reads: 9 h 59 min
